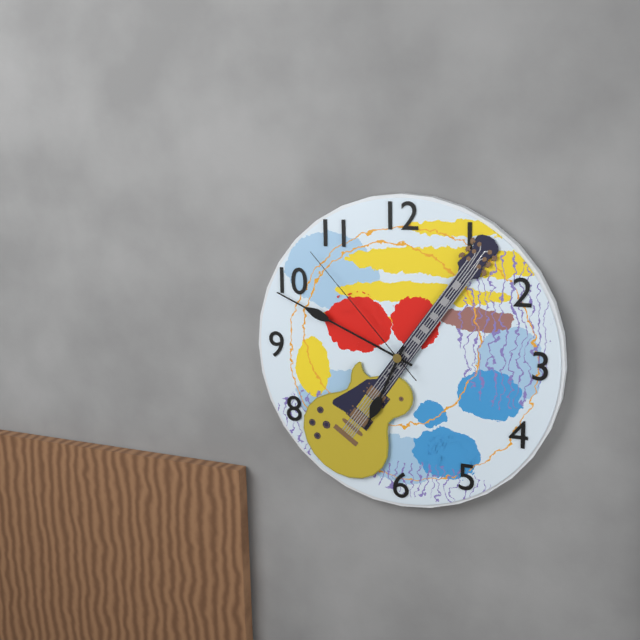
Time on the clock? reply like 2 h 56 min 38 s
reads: 6 h 49 min 53 s
